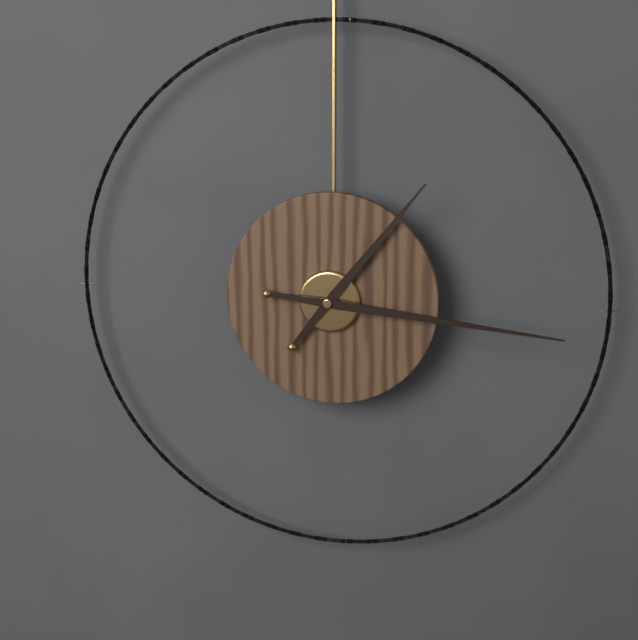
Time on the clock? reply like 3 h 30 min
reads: 1 h 16 min
